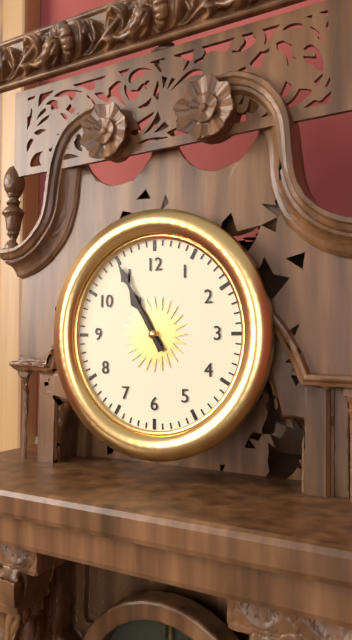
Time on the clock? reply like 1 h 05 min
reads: 10 h 55 min
